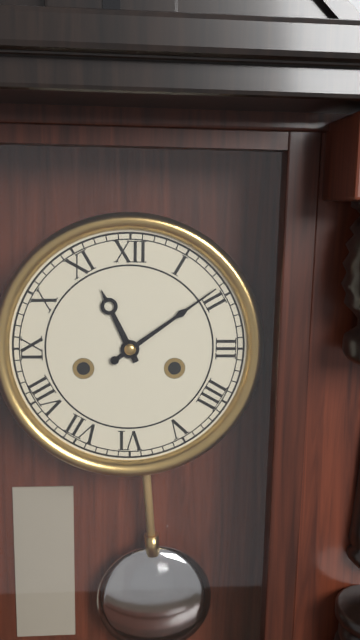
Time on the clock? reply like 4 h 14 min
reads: 11 h 09 min
